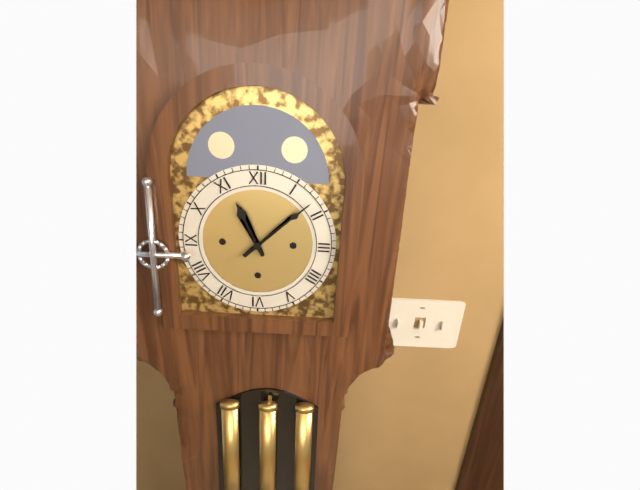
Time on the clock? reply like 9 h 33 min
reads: 11 h 08 min
